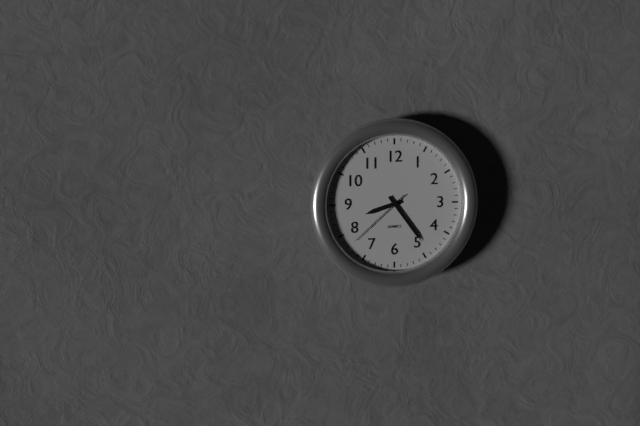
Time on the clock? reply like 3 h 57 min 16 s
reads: 8 h 24 min 38 s
